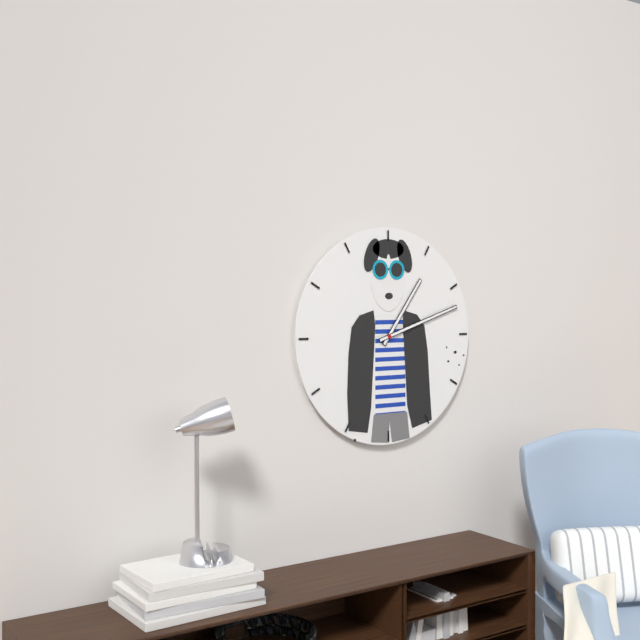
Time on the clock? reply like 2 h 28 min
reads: 1 h 12 min
